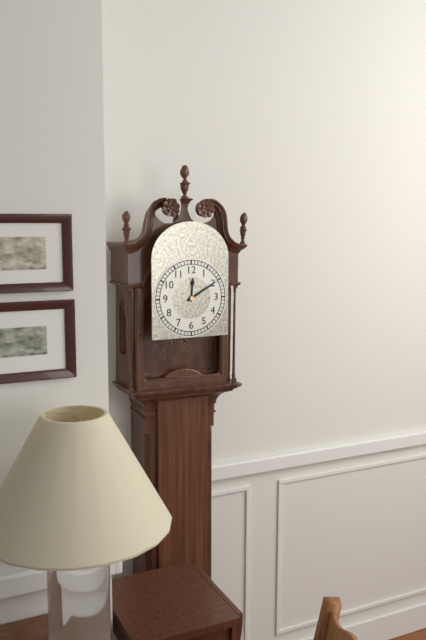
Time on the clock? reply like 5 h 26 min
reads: 12 h 10 min
